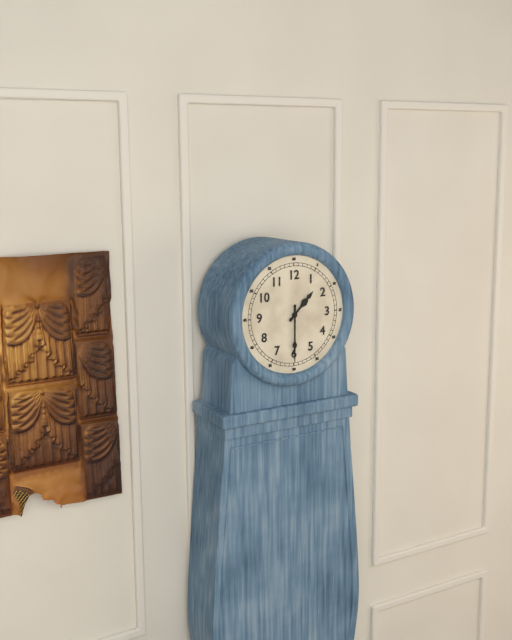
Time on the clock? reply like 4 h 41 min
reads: 1 h 30 min
